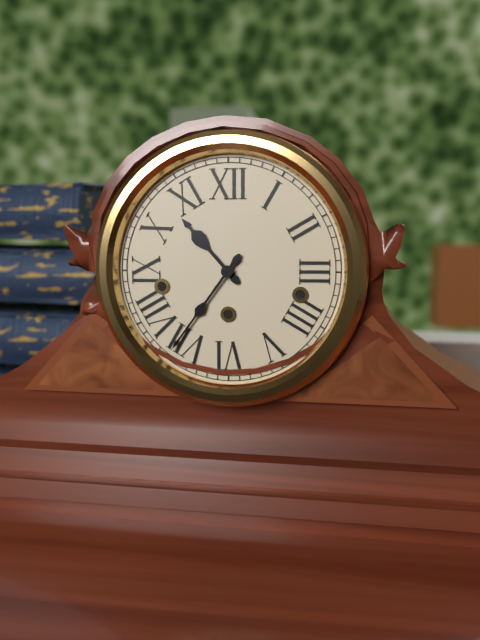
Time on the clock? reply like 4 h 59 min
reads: 10 h 36 min
